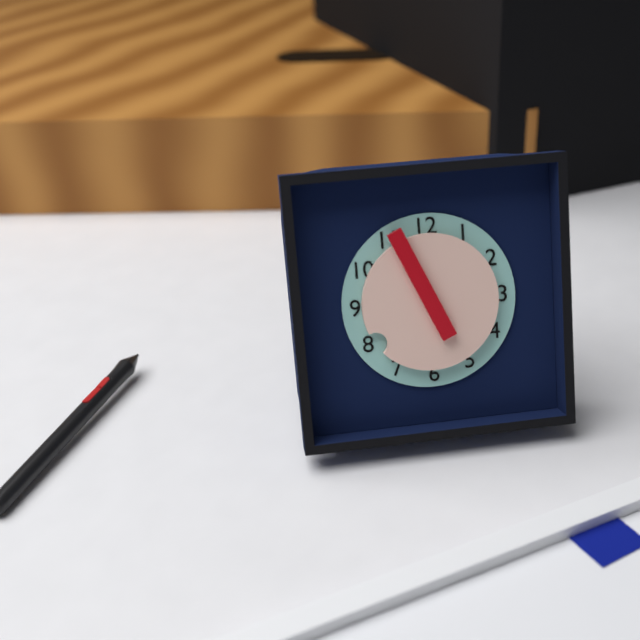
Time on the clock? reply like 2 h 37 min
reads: 7 h 56 min
